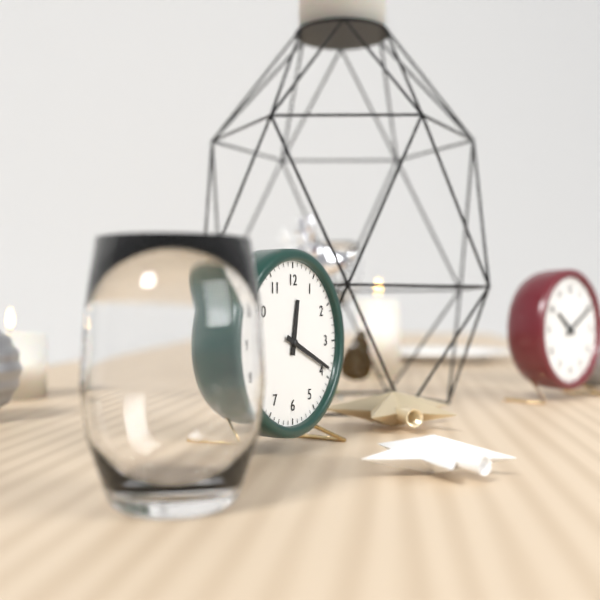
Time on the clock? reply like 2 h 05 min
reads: 12 h 19 min
